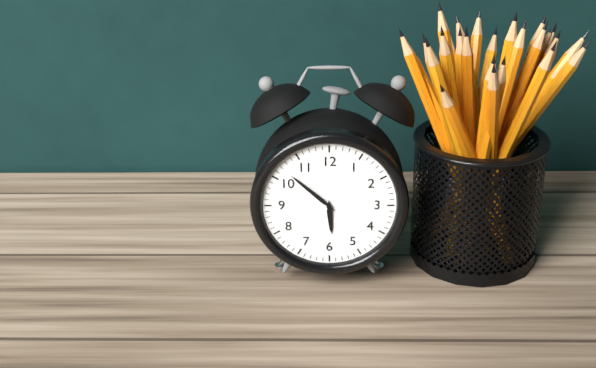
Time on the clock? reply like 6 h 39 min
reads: 5 h 52 min
